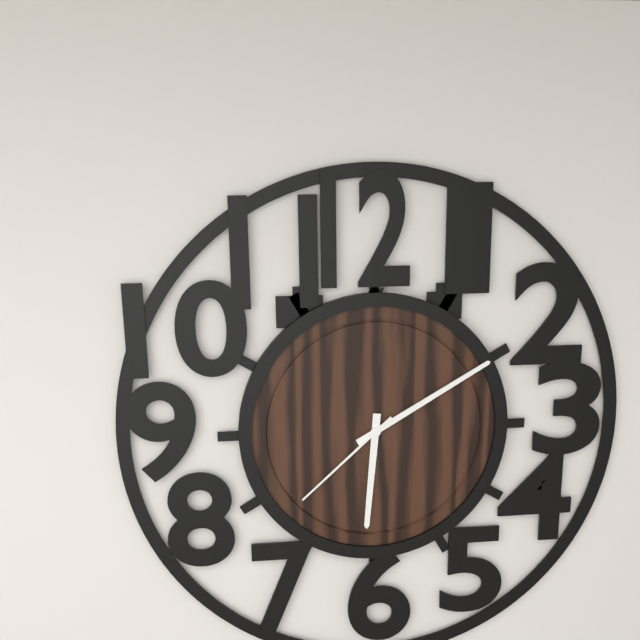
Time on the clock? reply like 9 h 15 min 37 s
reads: 6 h 10 min 38 s
